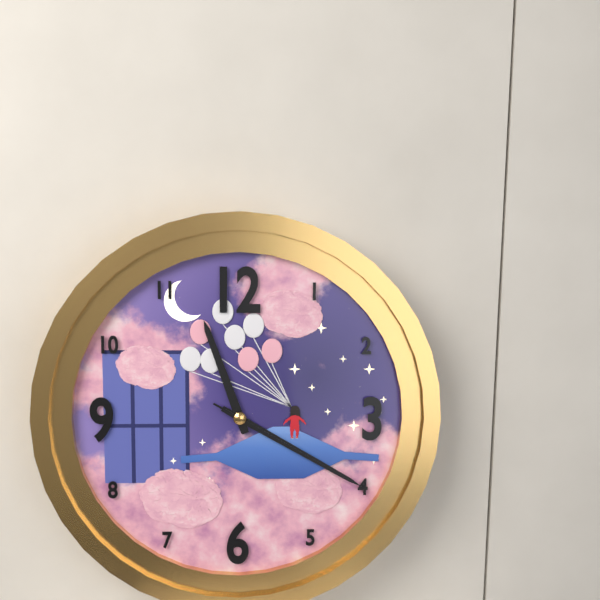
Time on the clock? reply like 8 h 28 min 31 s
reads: 11 h 20 min 20 s
